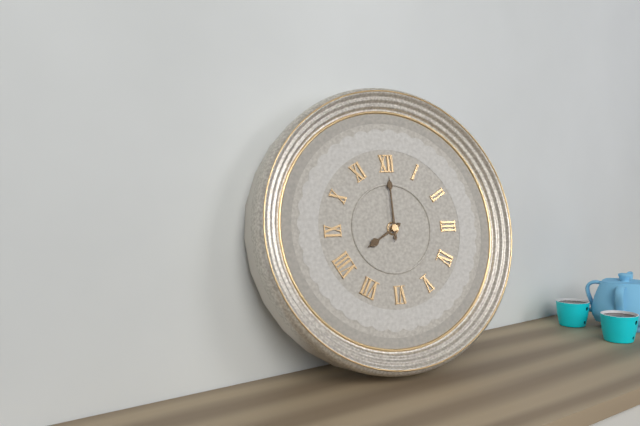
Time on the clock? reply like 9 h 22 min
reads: 8 h 00 min
